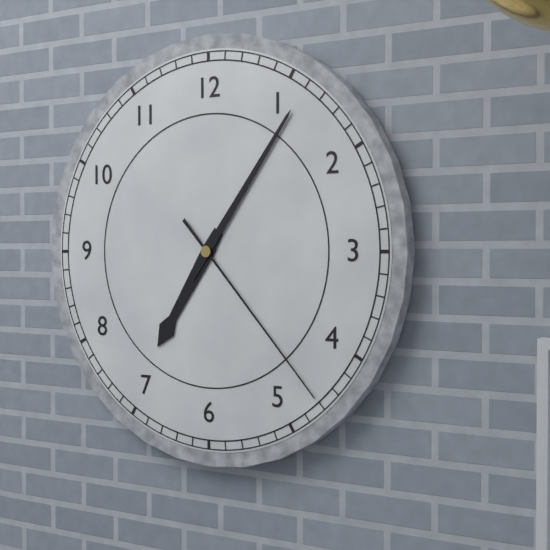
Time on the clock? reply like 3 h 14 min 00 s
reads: 7 h 06 min 23 s
